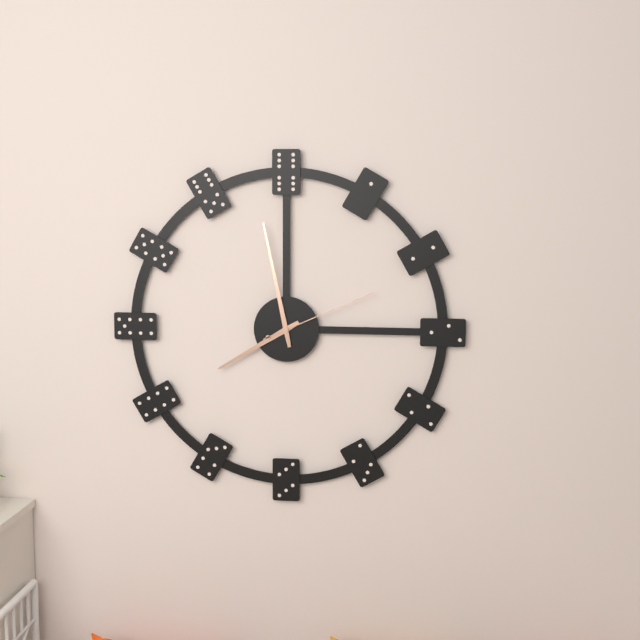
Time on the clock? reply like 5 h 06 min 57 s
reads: 7 h 58 min 11 s
